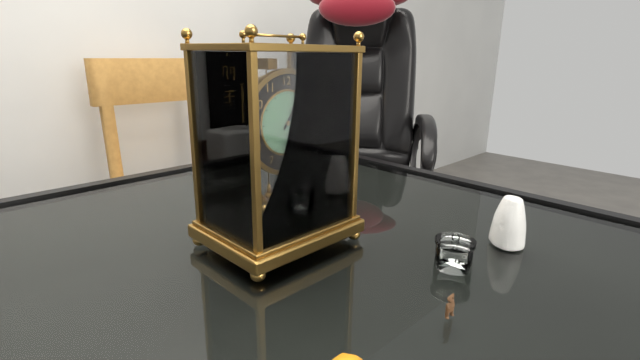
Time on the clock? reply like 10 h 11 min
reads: 1 h 07 min
